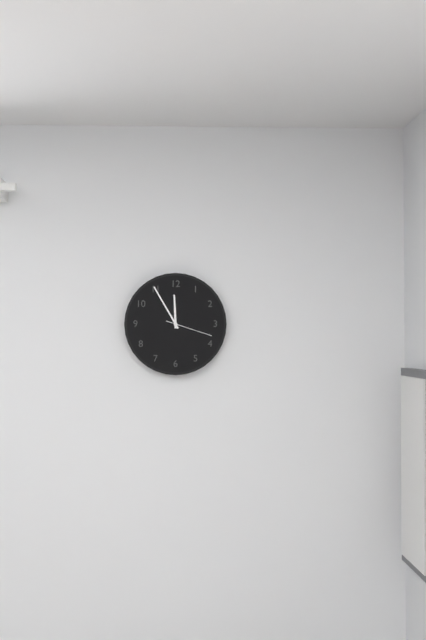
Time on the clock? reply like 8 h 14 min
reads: 11 h 55 min
